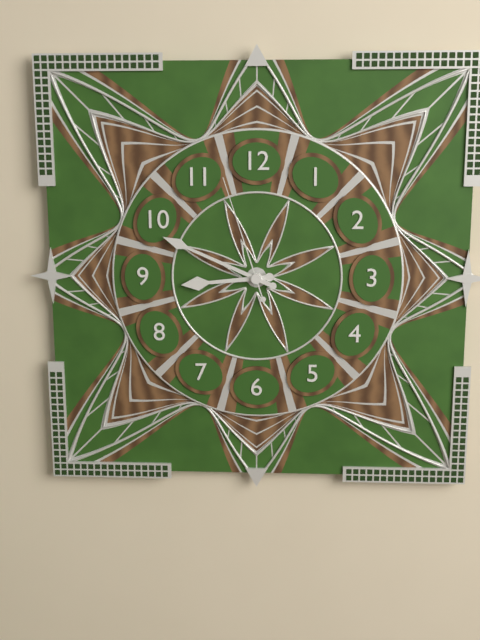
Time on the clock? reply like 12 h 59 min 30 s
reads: 8 h 49 min 57 s
